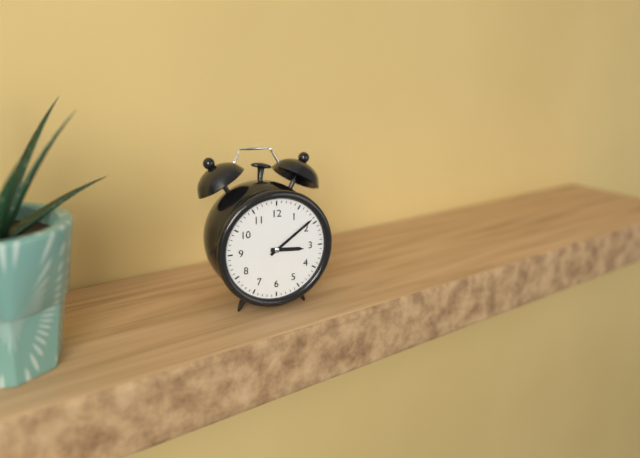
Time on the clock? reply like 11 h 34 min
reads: 3 h 09 min
